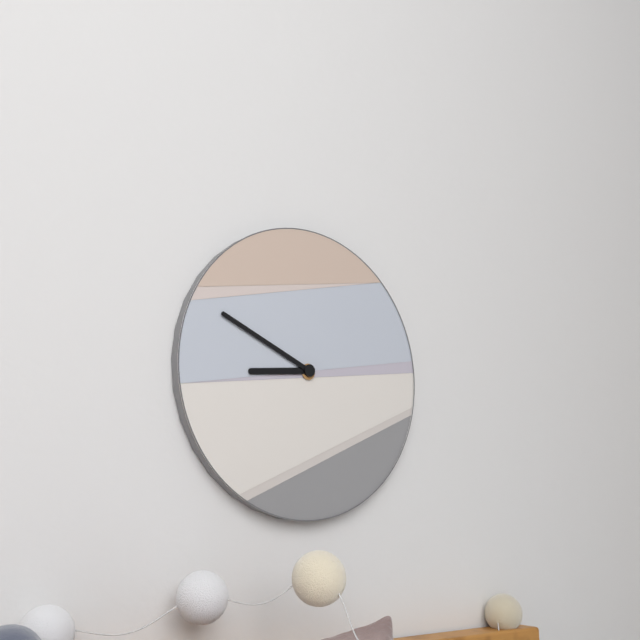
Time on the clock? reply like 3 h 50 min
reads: 8 h 49 min
